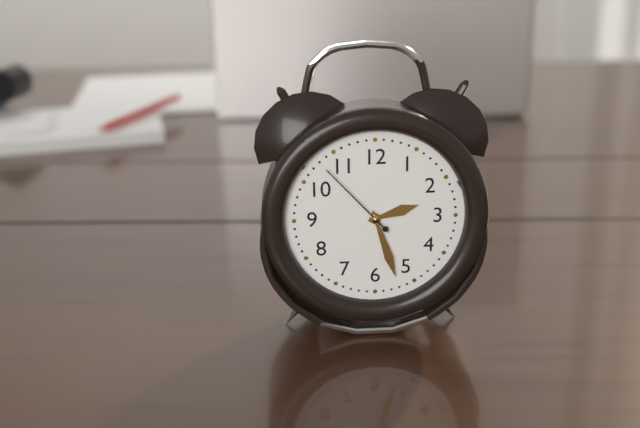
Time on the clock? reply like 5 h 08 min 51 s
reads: 2 h 27 min 53 s
